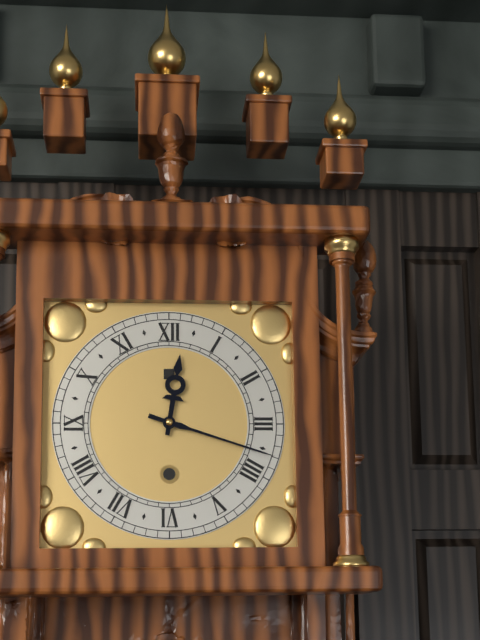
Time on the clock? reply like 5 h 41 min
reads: 12 h 18 min
